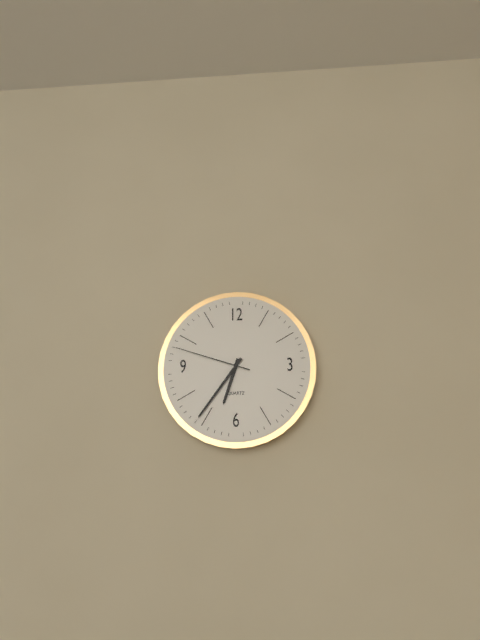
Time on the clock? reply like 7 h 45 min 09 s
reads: 6 h 36 min 48 s
